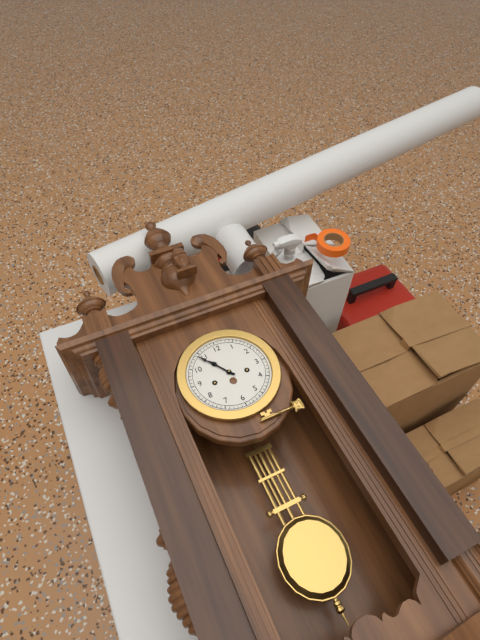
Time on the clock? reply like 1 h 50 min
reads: 10 h 54 min
